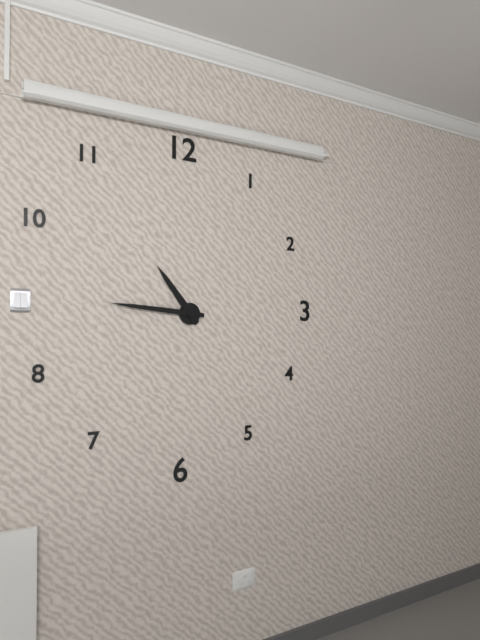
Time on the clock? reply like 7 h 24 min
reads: 10 h 46 min
